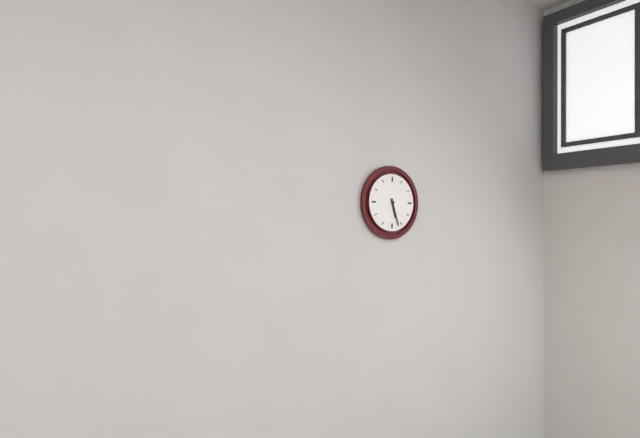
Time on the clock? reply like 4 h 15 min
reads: 5 h 27 min
